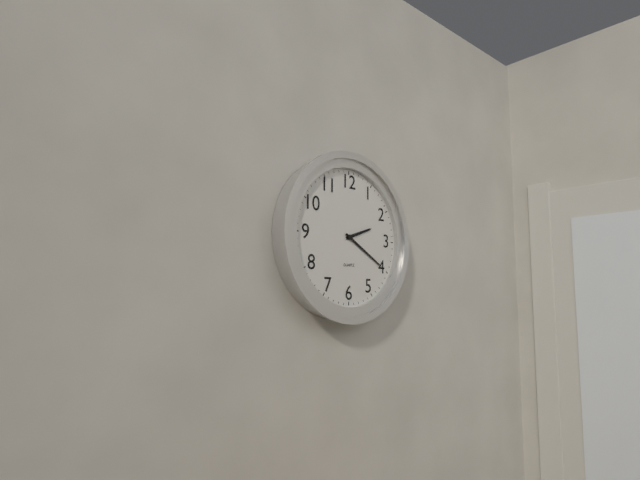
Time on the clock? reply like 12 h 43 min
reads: 2 h 20 min
